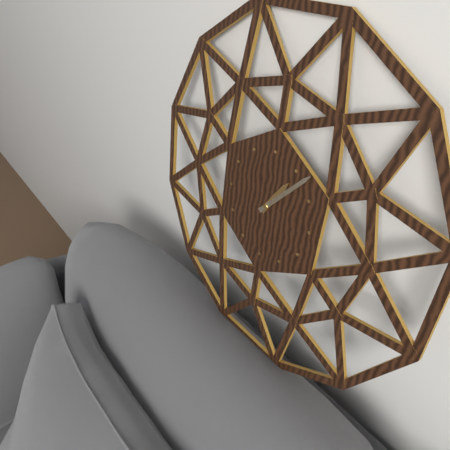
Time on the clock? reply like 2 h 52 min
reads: 1 h 07 min
